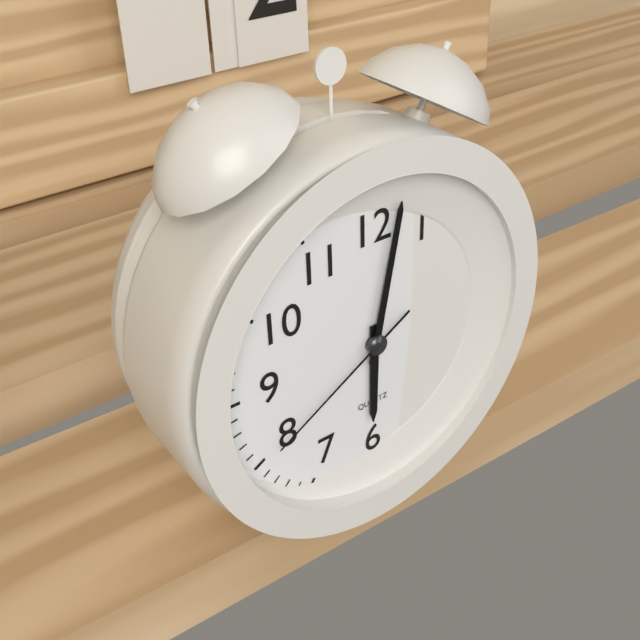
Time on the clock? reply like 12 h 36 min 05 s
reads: 6 h 02 min 40 s
